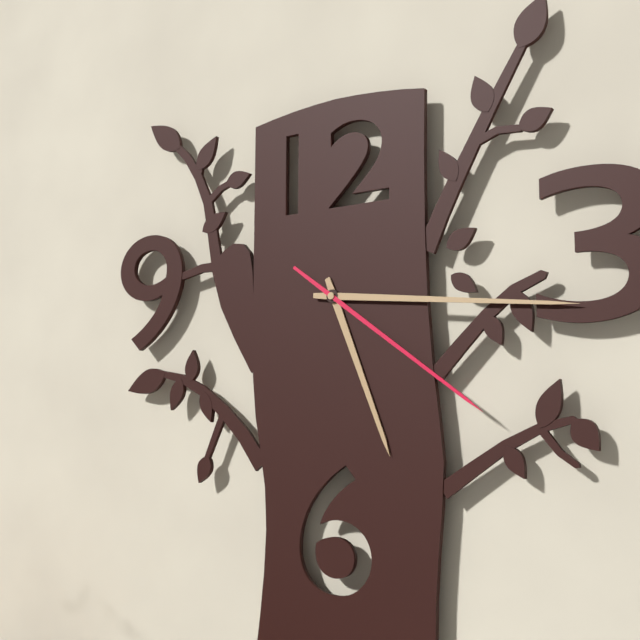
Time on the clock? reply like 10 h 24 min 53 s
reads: 5 h 16 min 21 s
